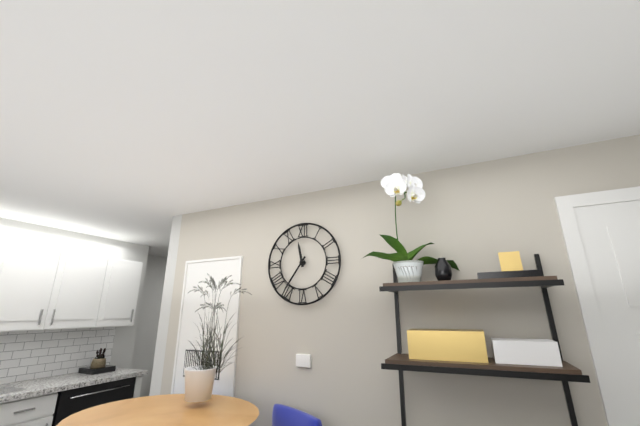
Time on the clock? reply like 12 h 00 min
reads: 11 h 36 min
